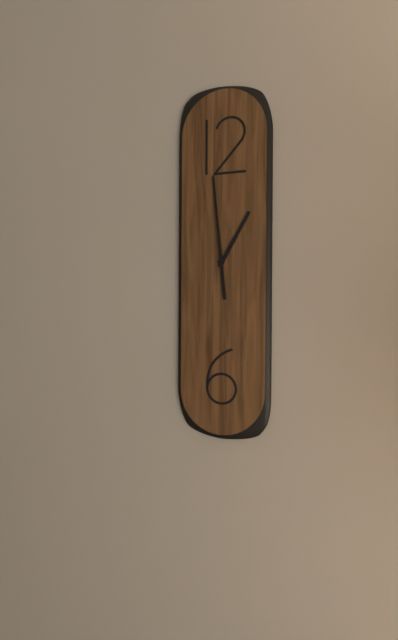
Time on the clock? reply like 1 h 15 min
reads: 12 h 59 min
